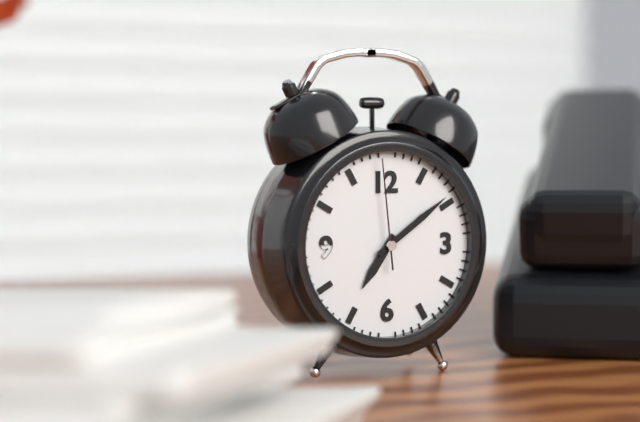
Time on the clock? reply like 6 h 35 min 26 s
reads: 7 h 09 min 59 s
